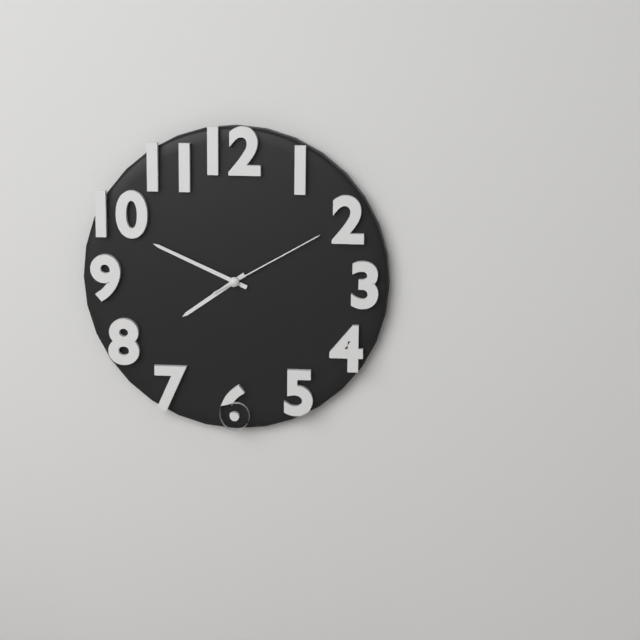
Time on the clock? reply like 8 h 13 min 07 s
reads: 7 h 49 min 10 s
